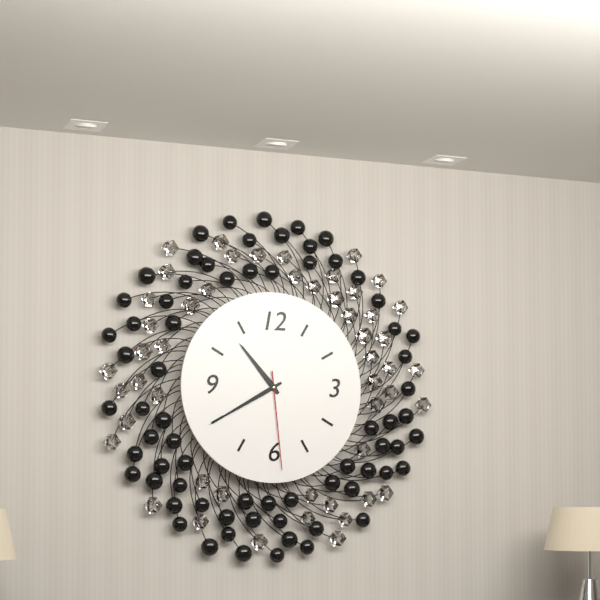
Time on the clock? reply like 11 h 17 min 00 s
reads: 10 h 40 min 29 s
